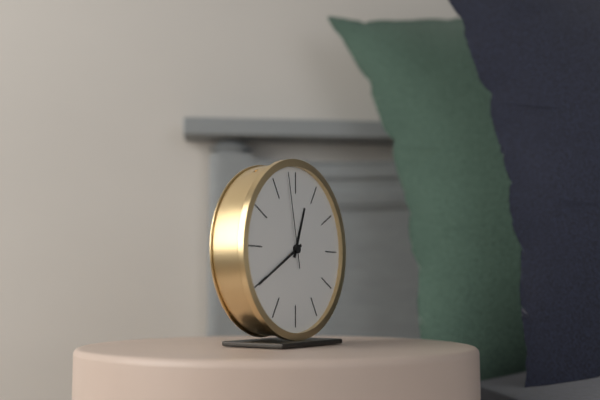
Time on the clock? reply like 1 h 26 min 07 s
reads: 12 h 40 min 58 s
